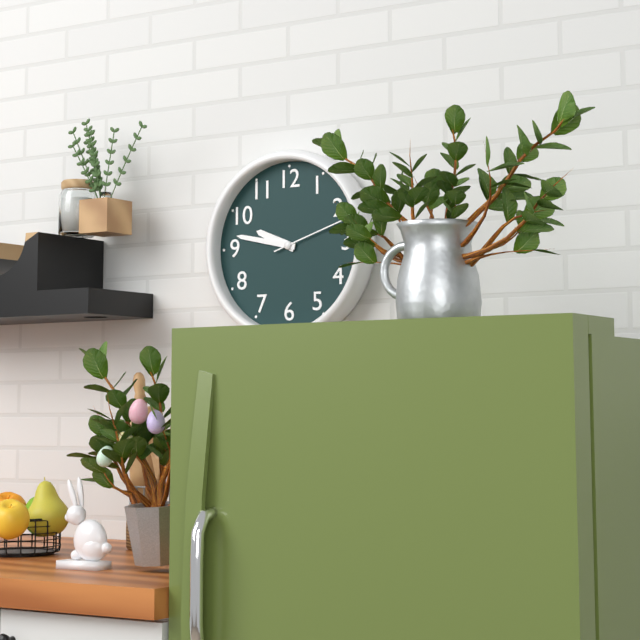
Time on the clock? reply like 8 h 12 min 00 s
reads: 9 h 47 min 12 s
